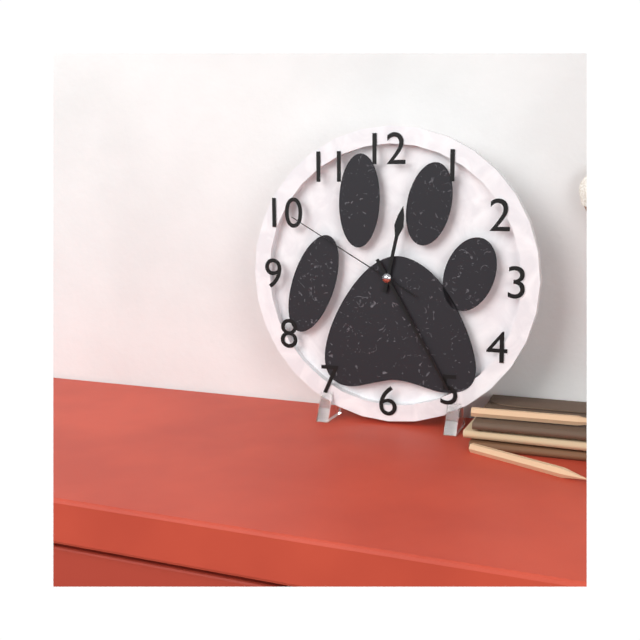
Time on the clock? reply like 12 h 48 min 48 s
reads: 12 h 25 min 50 s
